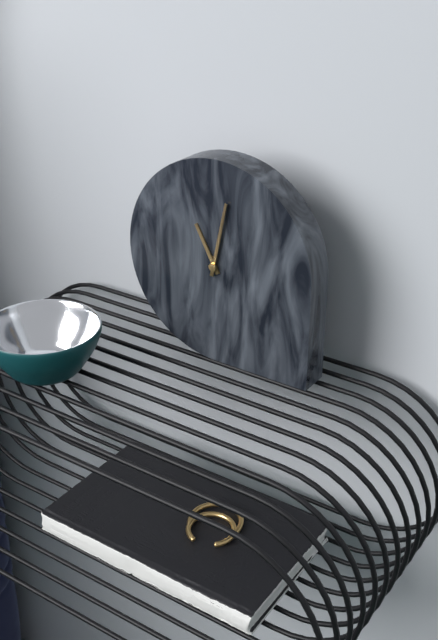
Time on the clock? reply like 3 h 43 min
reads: 11 h 02 min
